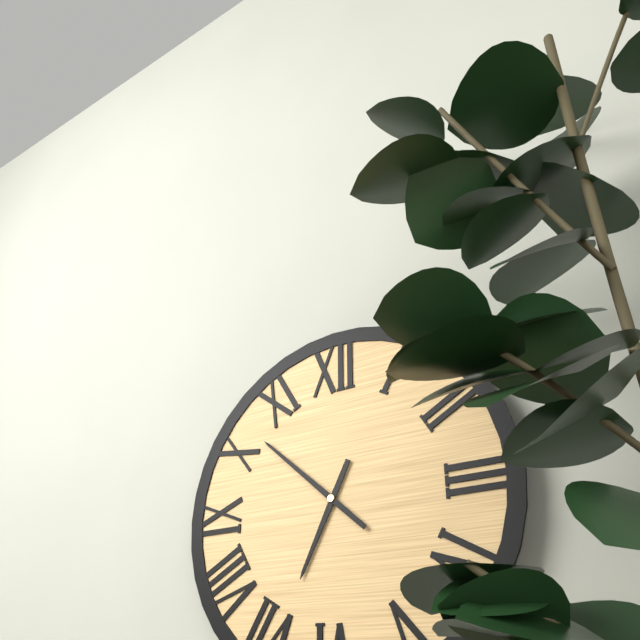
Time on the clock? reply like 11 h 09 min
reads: 6 h 52 min
